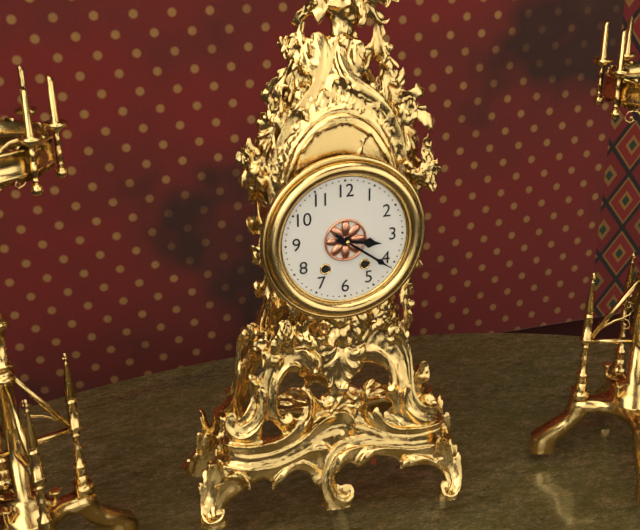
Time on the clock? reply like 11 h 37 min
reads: 3 h 21 min
